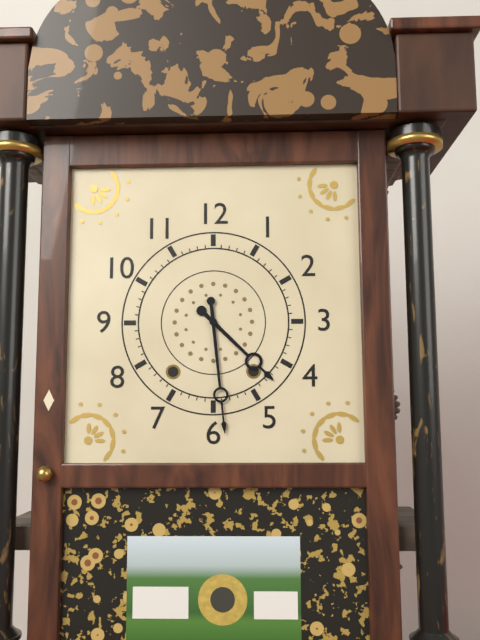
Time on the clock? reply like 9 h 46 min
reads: 4 h 29 min
